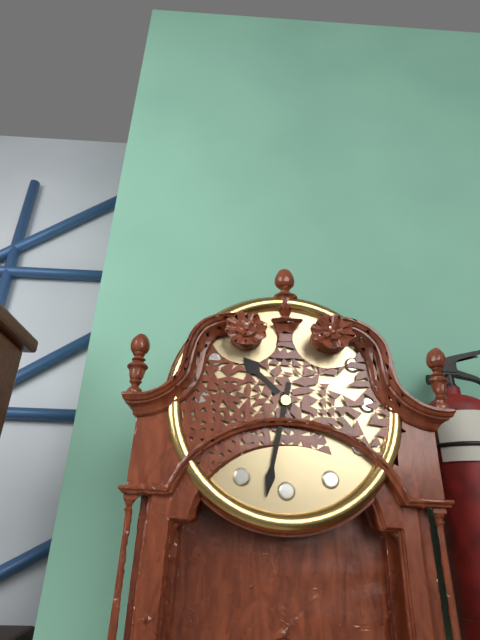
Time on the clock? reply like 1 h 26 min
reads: 10 h 32 min
